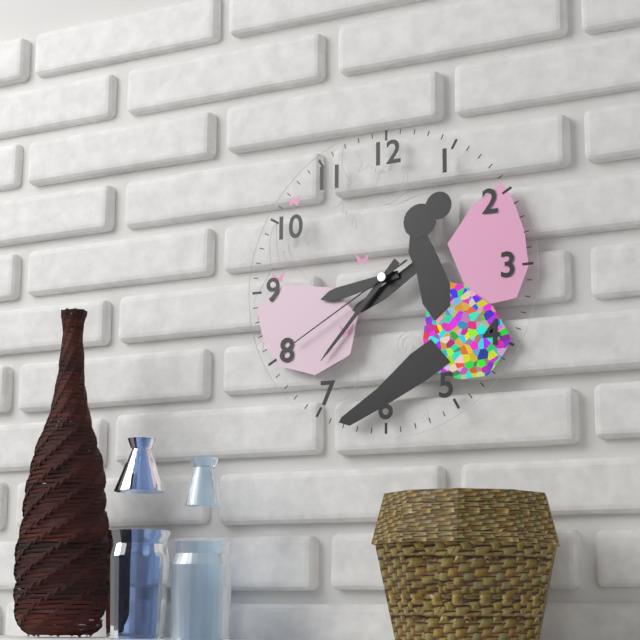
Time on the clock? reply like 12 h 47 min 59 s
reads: 8 h 37 min 40 s
